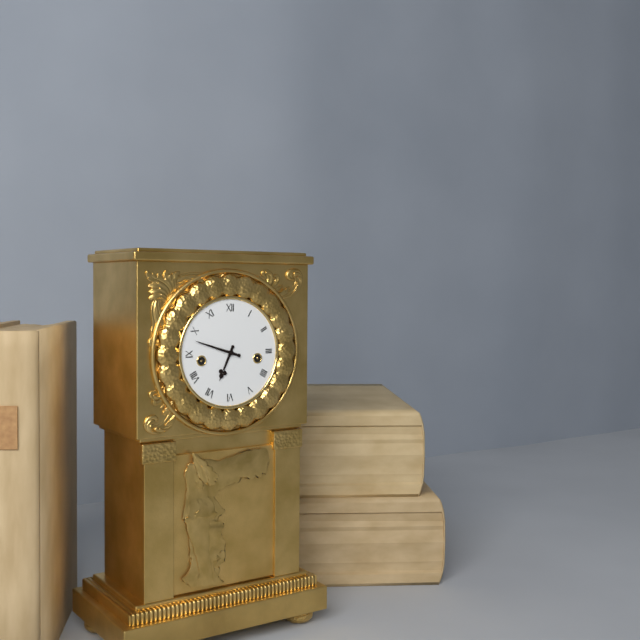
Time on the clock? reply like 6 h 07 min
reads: 6 h 48 min
